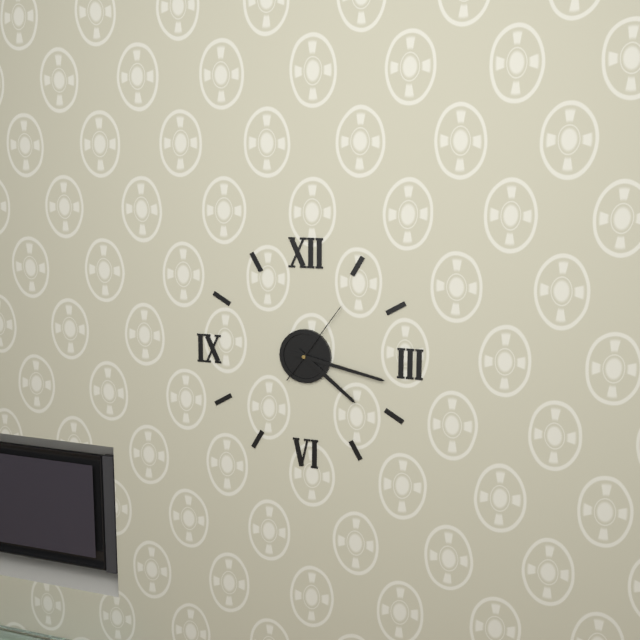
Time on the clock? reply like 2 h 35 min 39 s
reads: 4 h 17 min 06 s
